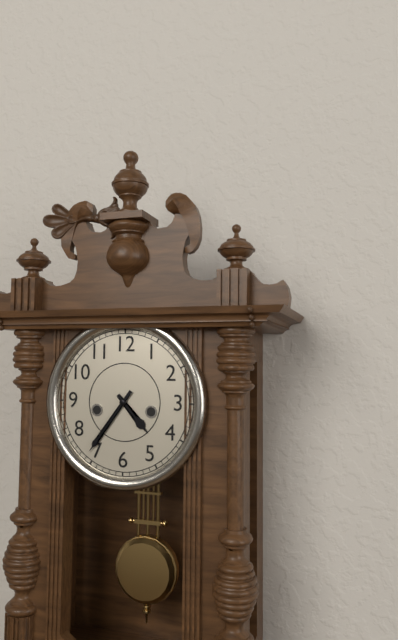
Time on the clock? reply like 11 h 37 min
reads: 4 h 36 min
